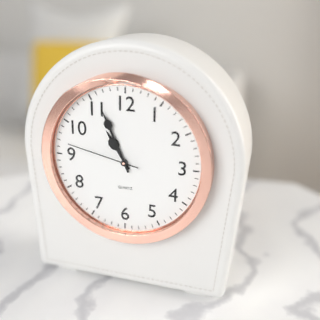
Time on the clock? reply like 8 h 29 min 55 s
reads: 10 h 56 min 47 s
